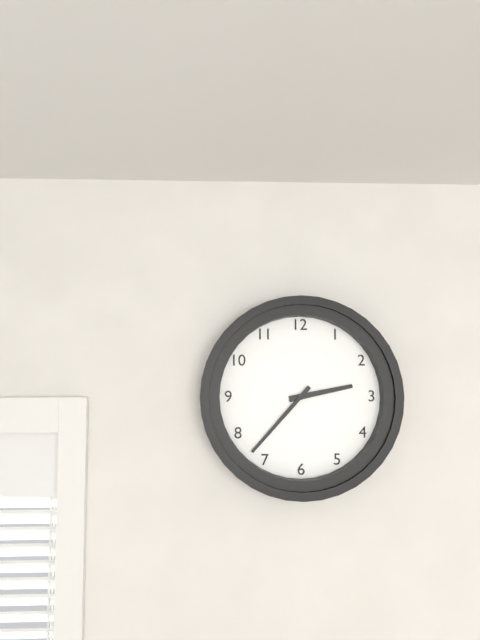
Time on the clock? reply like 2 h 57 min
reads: 2 h 37 min
